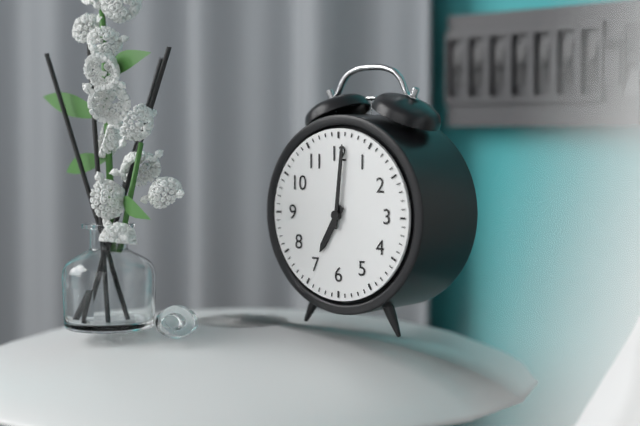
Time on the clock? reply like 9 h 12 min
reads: 7 h 01 min
